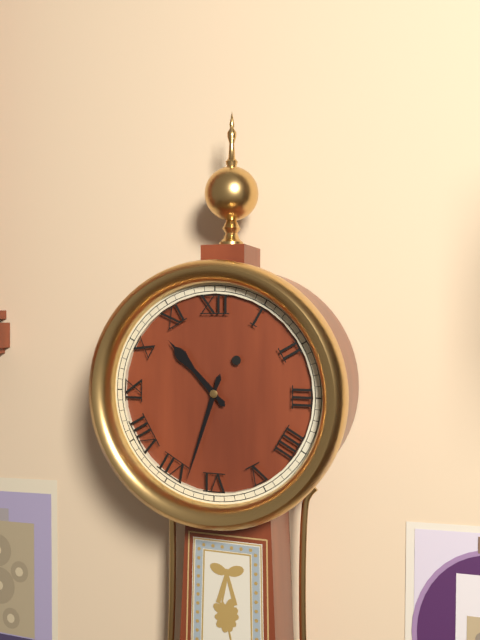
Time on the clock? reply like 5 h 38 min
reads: 10 h 33 min
